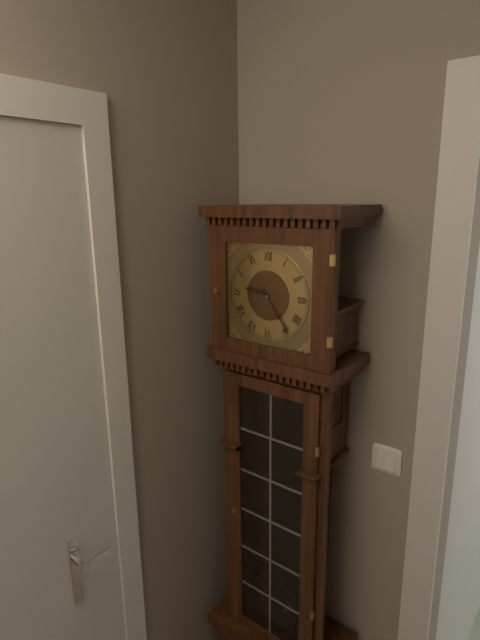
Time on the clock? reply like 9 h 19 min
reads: 9 h 24 min
